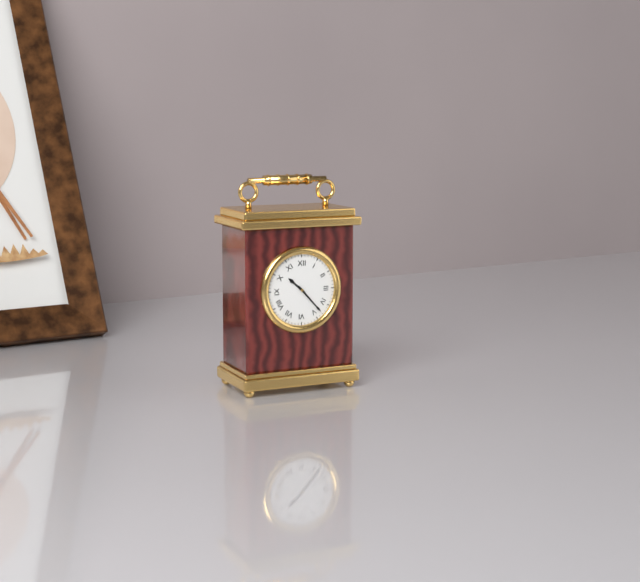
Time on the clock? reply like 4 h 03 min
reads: 10 h 23 min
